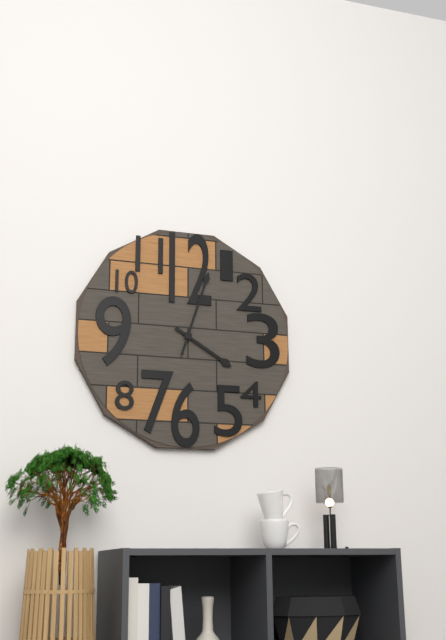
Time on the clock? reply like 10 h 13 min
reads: 4 h 03 min
